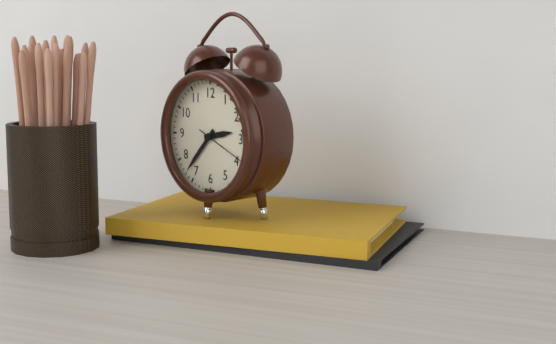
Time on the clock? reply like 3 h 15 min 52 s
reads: 2 h 37 min 19 s
